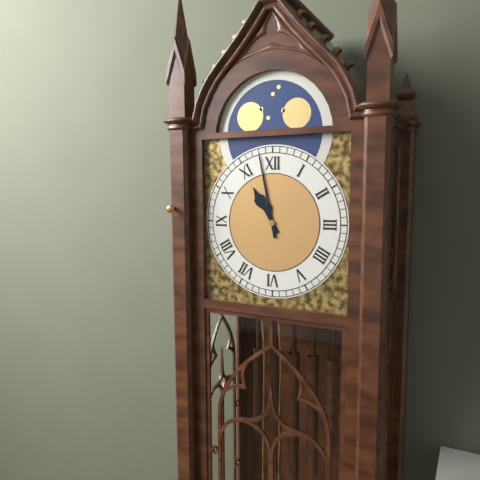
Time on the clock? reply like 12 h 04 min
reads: 10 h 58 min
